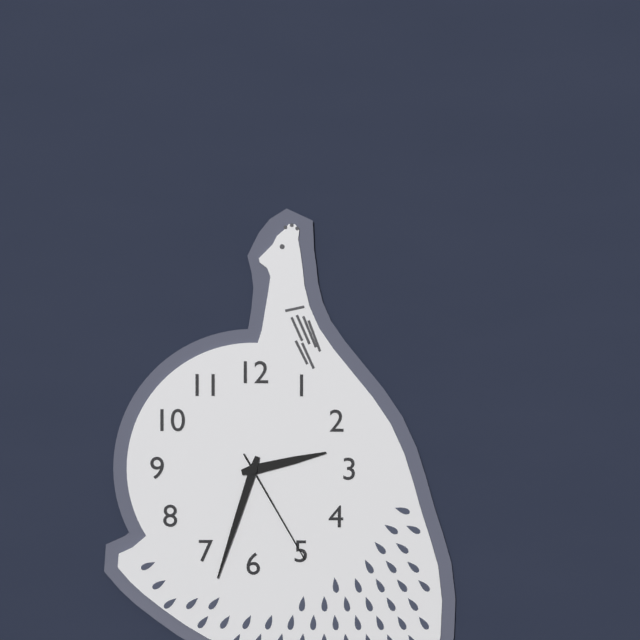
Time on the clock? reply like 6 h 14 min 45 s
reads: 2 h 33 min 25 s
